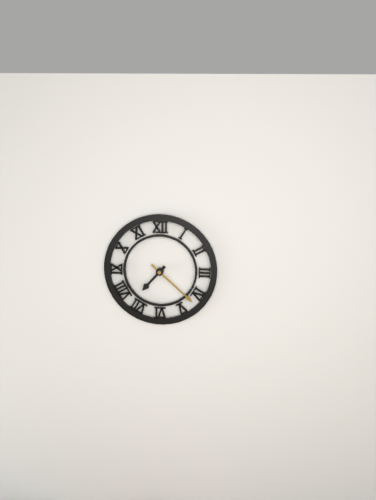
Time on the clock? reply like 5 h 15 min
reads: 7 h 22 min
